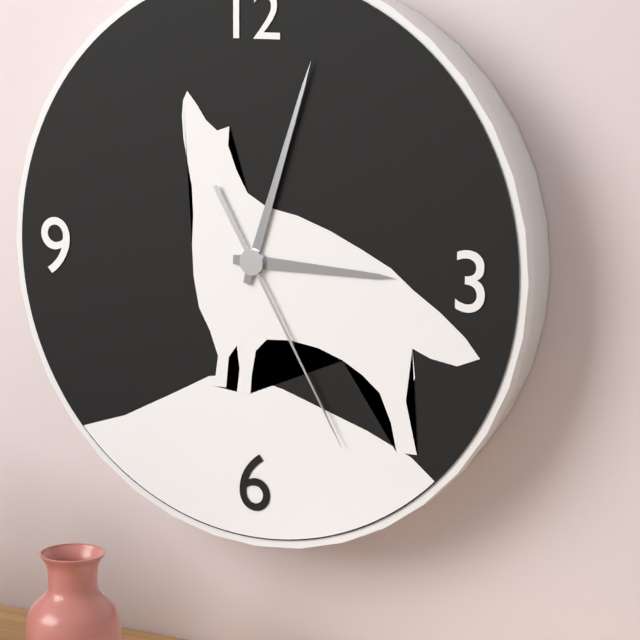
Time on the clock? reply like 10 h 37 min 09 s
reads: 3 h 03 min 25 s
